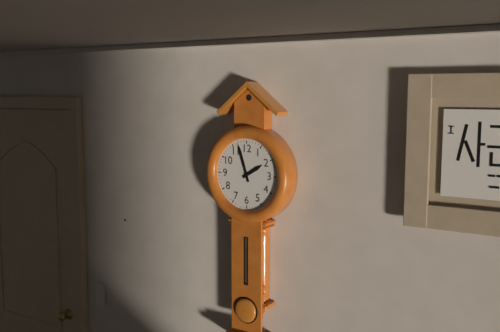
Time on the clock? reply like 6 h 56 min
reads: 1 h 57 min
